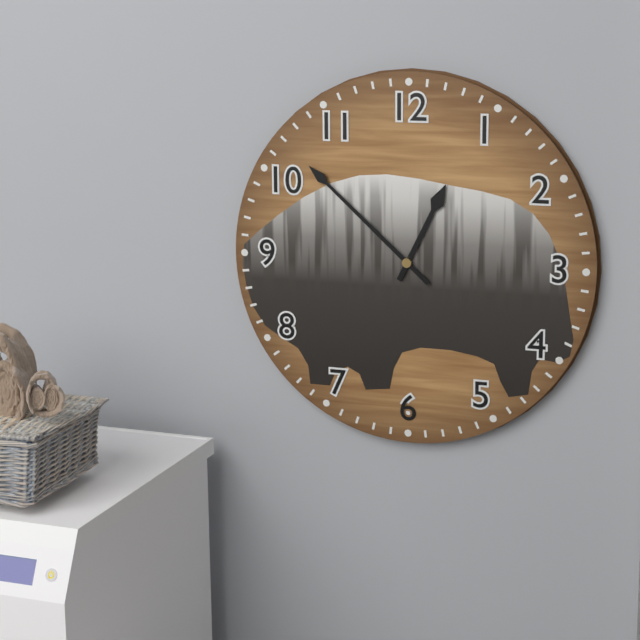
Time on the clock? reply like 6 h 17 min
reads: 12 h 52 min
